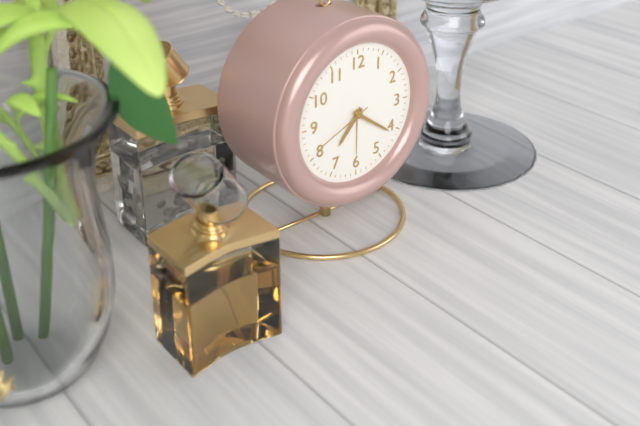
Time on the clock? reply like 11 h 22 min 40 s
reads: 7 h 21 min 41 s
